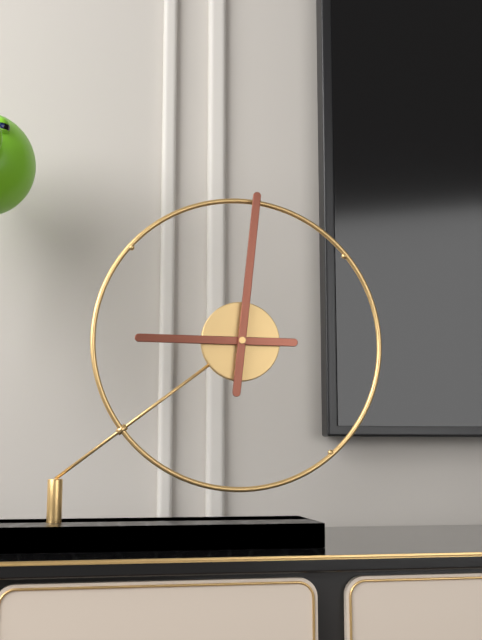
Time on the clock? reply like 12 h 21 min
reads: 9 h 01 min
